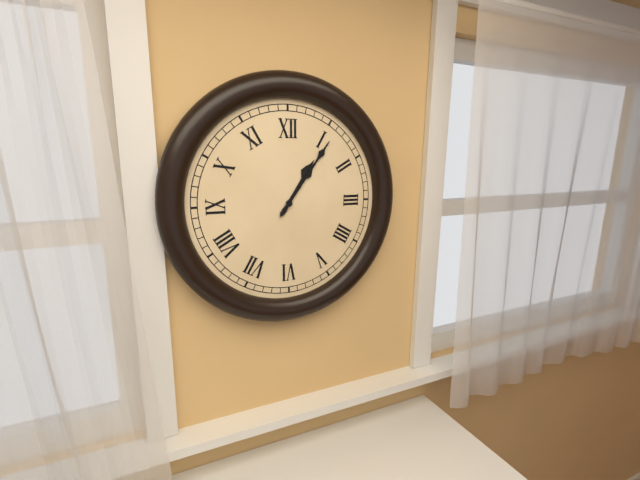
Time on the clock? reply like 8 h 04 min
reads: 1 h 06 min
